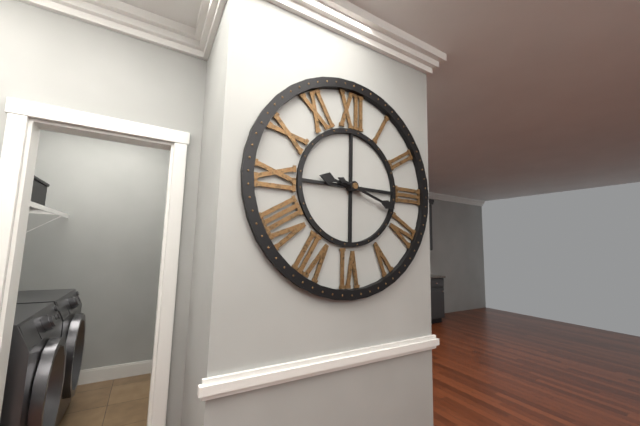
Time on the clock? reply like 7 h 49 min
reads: 9 h 18 min
